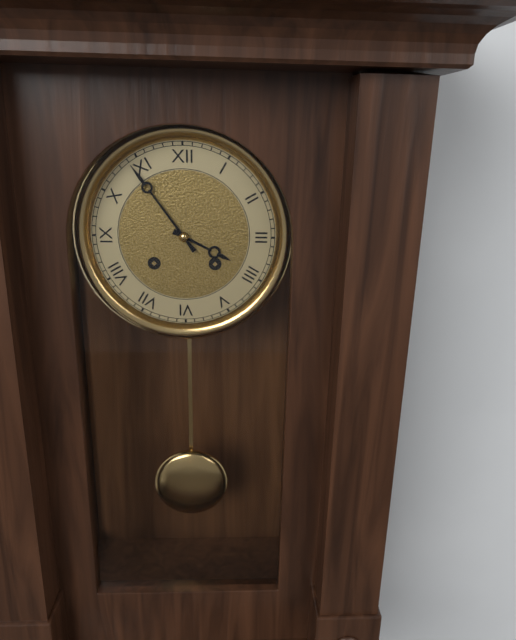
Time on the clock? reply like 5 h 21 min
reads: 3 h 54 min
